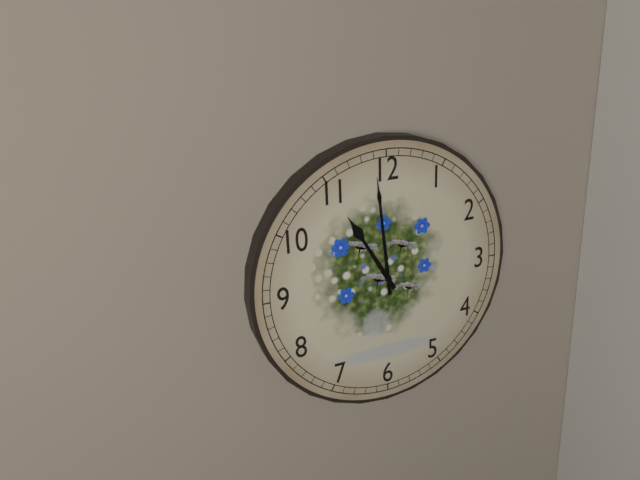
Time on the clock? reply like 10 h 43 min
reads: 10 h 59 min
